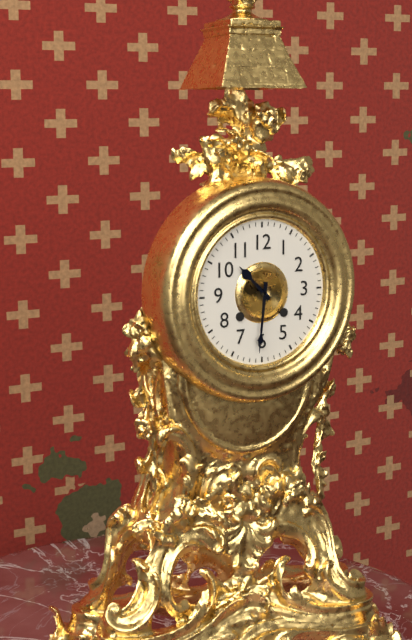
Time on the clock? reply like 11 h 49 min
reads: 10 h 31 min
